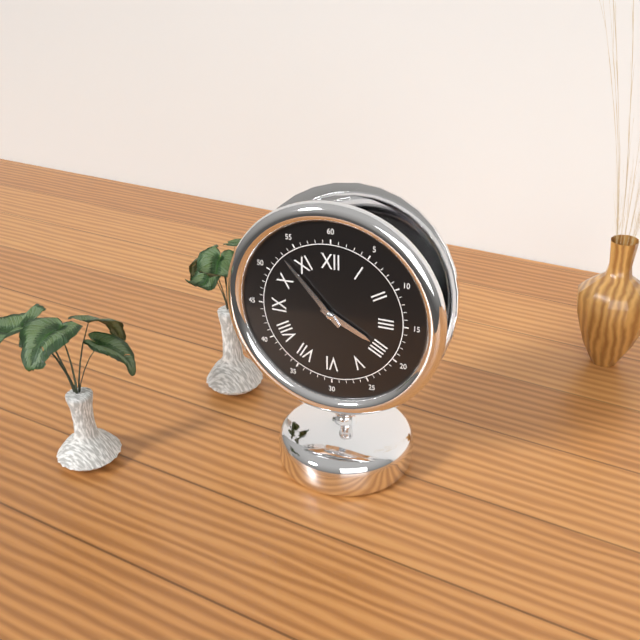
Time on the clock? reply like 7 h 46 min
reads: 3 h 53 min
